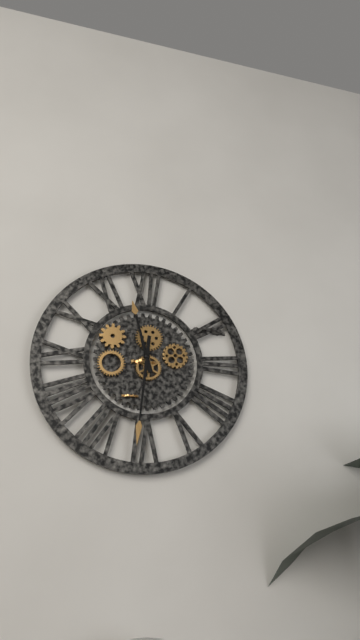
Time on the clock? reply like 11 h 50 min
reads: 11 h 31 min
